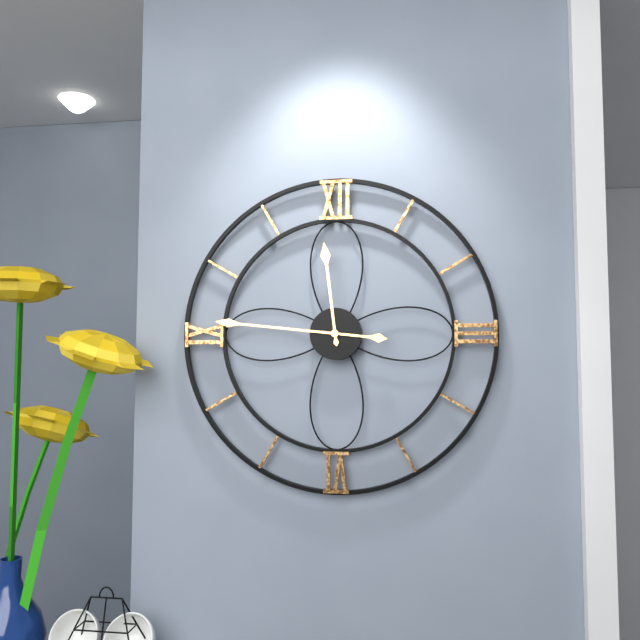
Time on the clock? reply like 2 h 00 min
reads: 11 h 46 min
